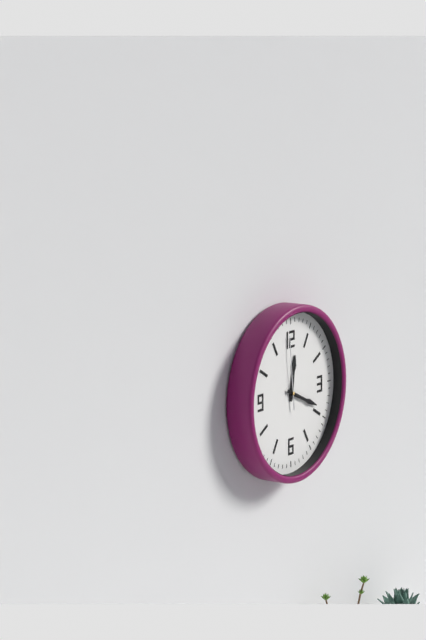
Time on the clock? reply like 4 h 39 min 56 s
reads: 12 h 19 min 59 s
